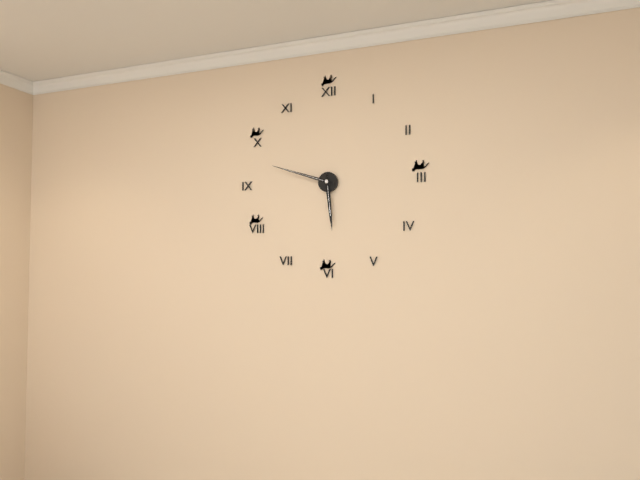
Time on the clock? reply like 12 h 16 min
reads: 5 h 48 min
